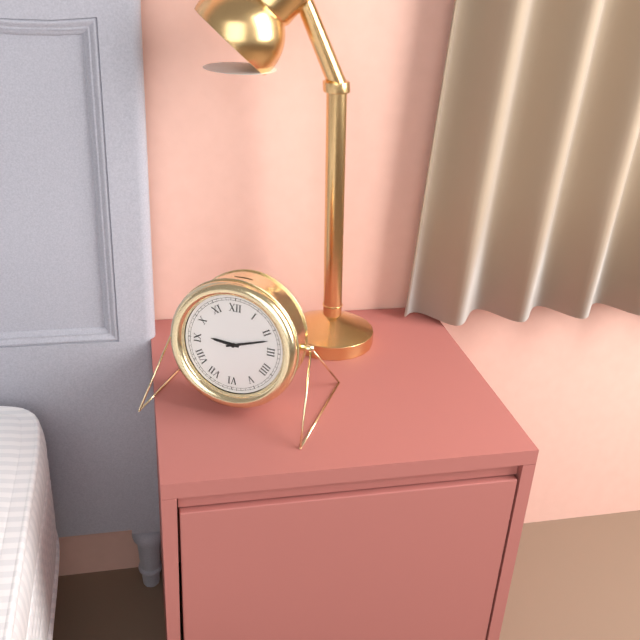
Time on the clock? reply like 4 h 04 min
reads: 9 h 12 min
